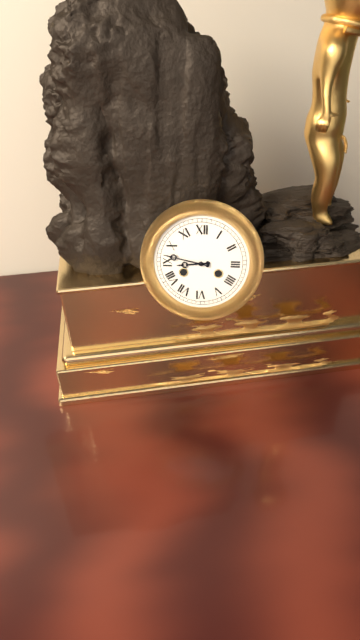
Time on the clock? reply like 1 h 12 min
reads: 8 h 47 min
